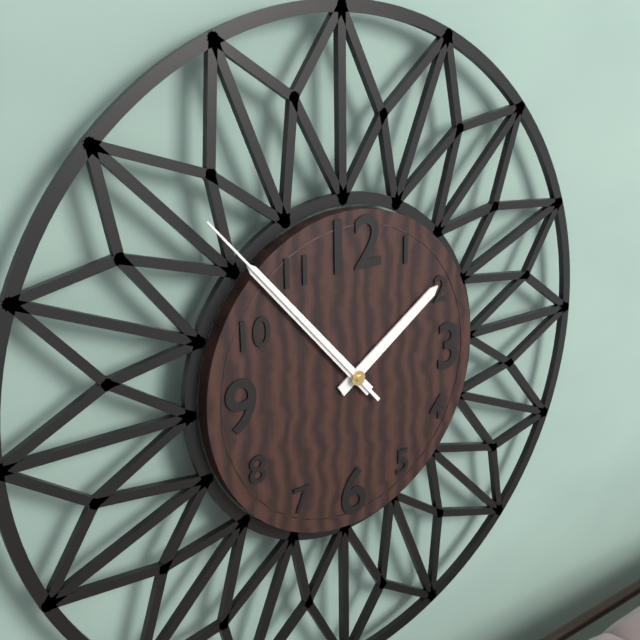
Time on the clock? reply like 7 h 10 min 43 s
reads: 1 h 53 min 53 s
